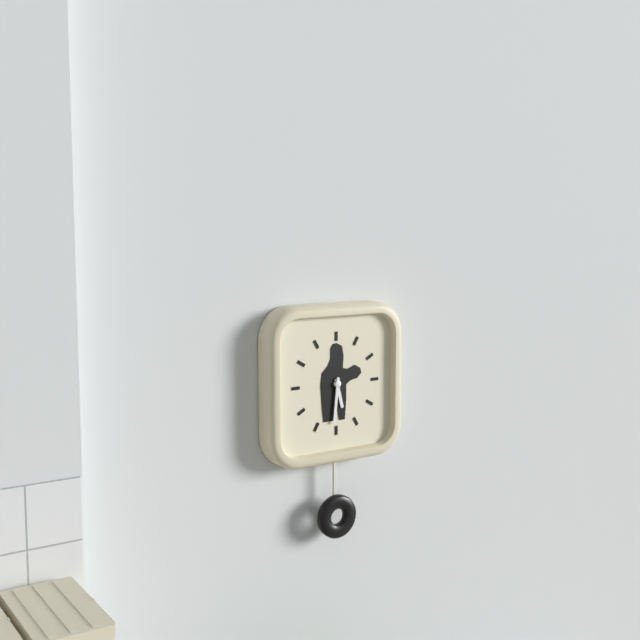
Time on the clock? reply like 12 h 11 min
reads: 5 h 31 min
